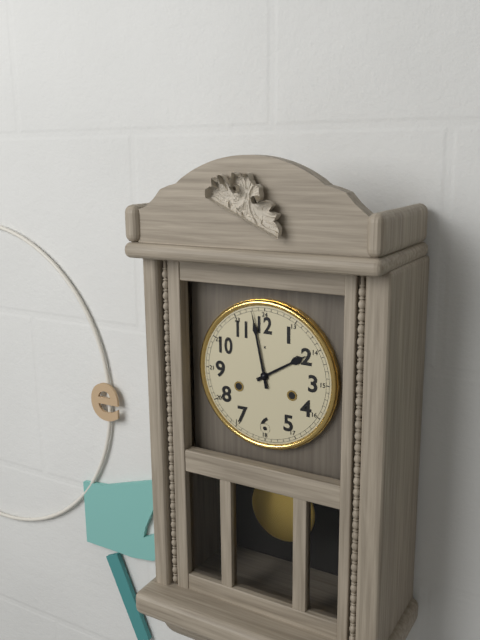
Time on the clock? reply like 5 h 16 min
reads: 1 h 58 min
